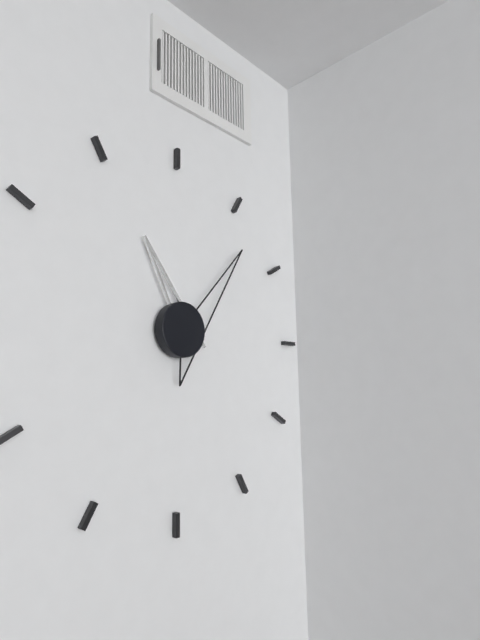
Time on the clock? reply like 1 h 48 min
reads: 11 h 07 min
